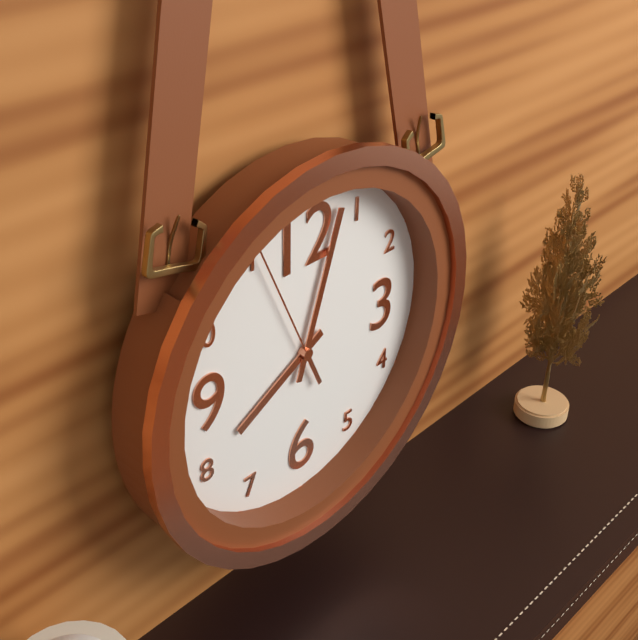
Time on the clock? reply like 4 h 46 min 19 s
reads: 8 h 03 min 56 s
